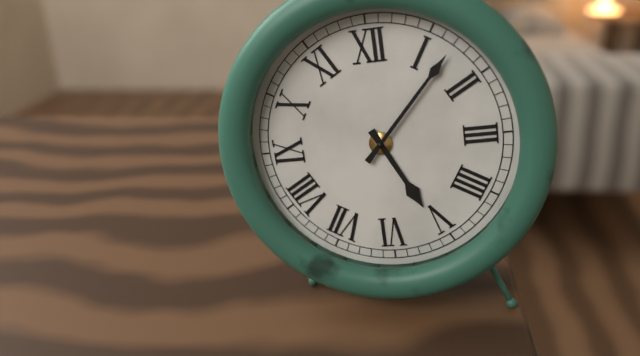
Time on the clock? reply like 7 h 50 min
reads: 5 h 07 min
